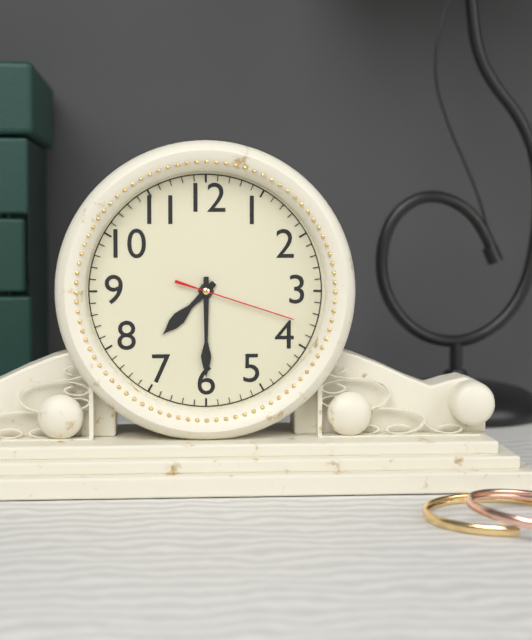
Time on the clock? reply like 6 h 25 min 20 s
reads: 7 h 30 min 18 s
